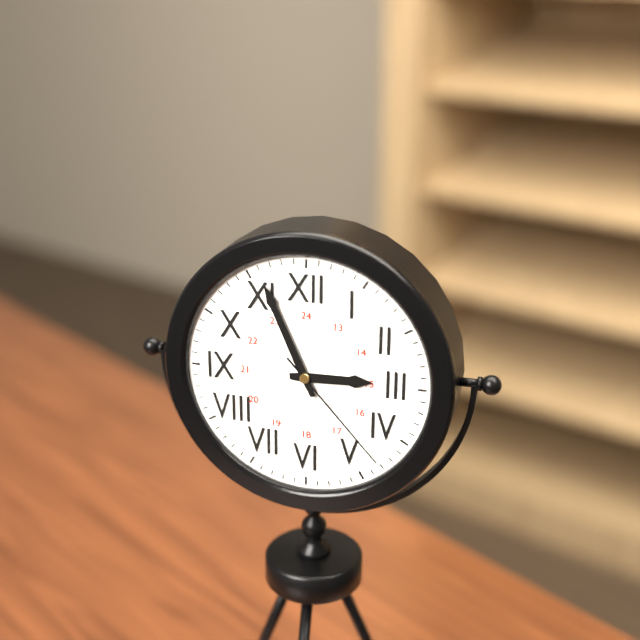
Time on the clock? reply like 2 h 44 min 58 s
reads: 2 h 56 min 23 s
